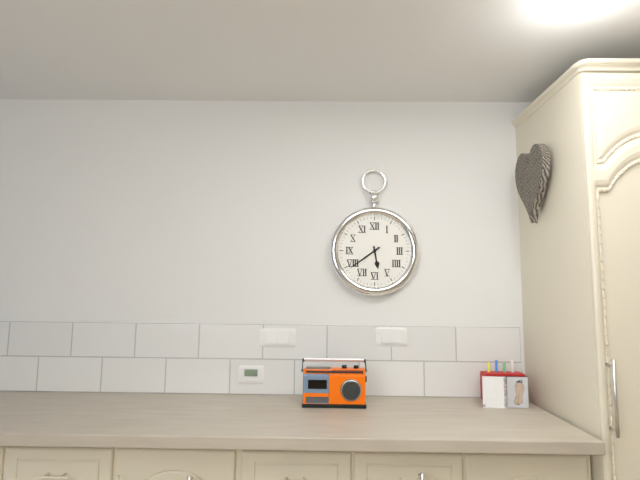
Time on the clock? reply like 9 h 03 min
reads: 5 h 39 min
